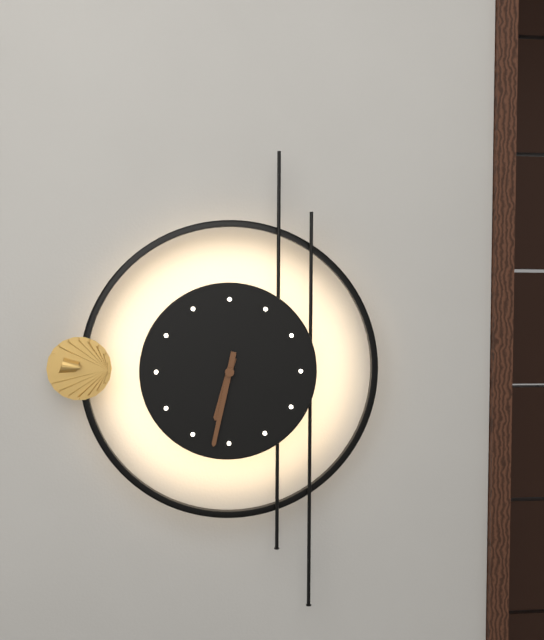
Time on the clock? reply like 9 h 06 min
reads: 6 h 32 min
